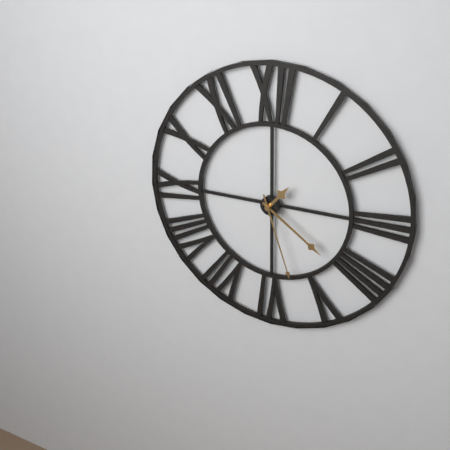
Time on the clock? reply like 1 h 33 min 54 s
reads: 1 h 21 min 27 s
